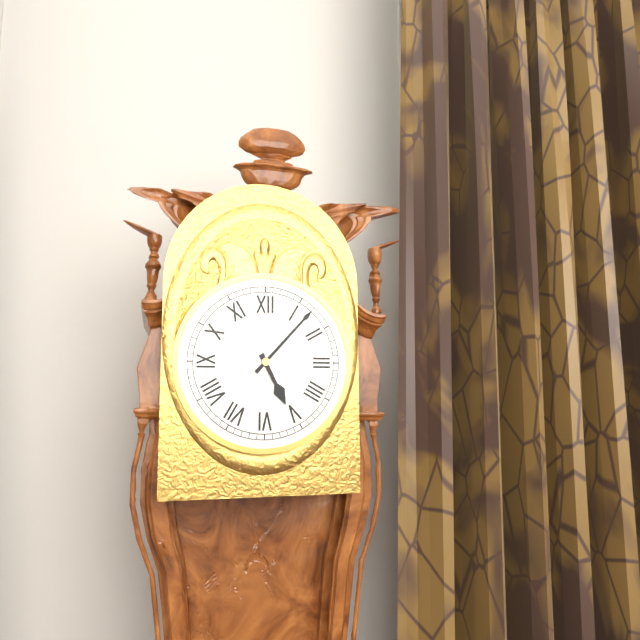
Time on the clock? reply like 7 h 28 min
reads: 5 h 07 min
